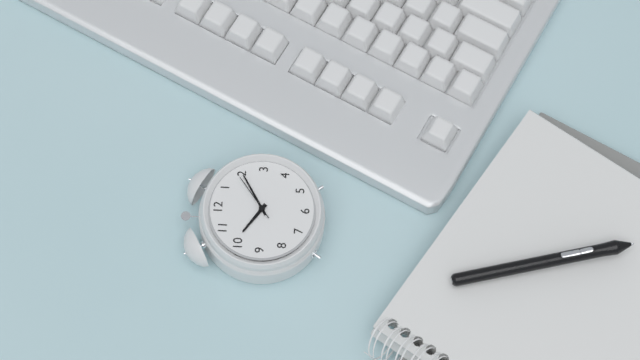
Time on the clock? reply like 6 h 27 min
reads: 10 h 10 min
